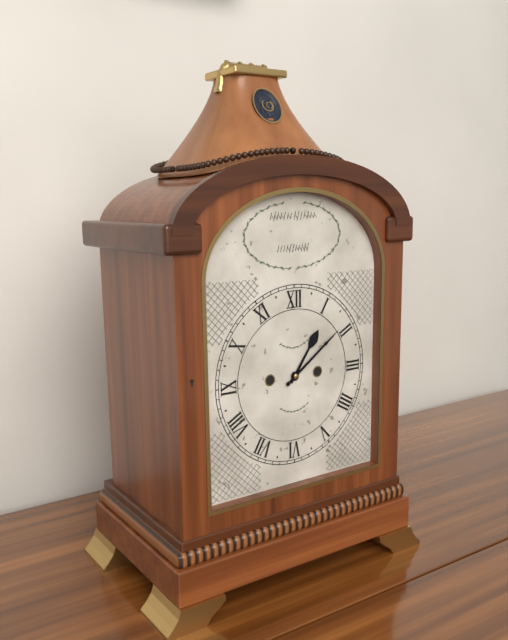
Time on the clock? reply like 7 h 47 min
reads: 1 h 09 min
